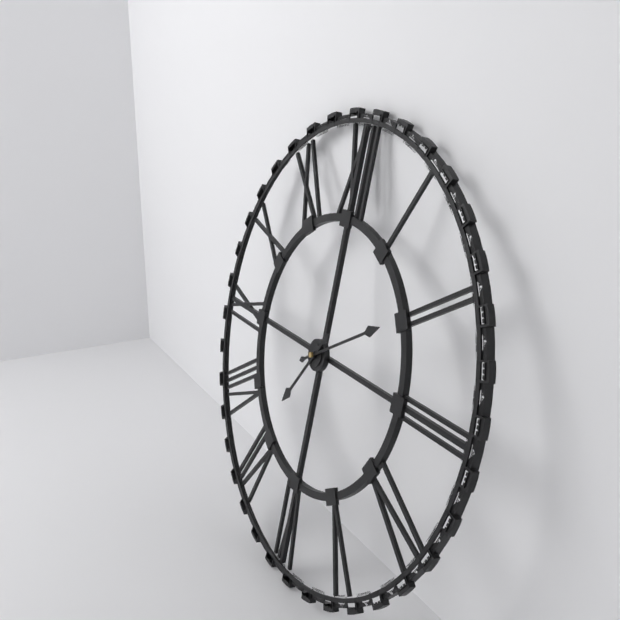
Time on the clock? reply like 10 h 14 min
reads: 7 h 10 min
